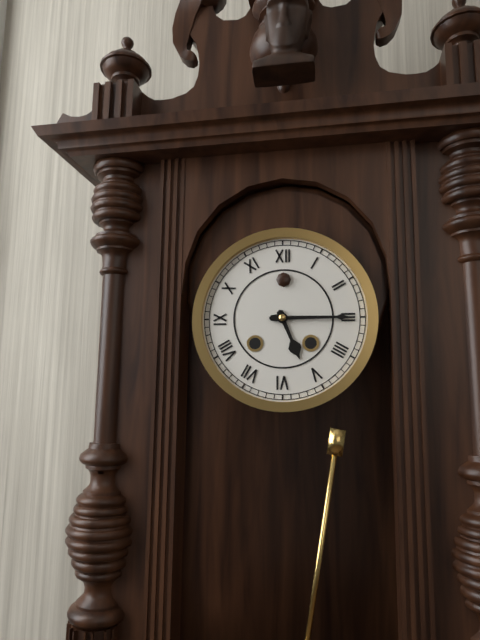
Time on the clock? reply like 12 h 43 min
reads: 5 h 15 min
